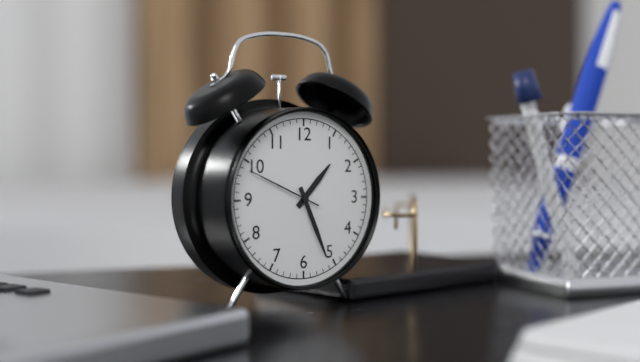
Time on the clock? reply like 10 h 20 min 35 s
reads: 1 h 26 min 49 s
